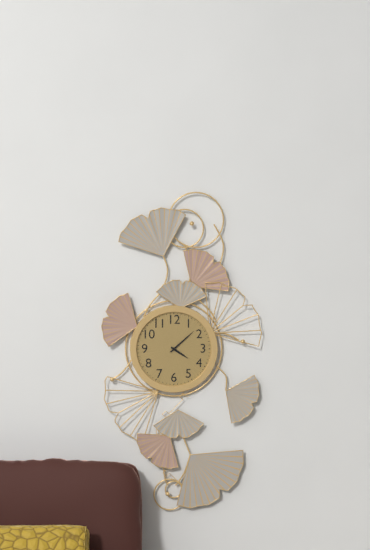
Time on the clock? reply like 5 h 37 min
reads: 4 h 08 min
